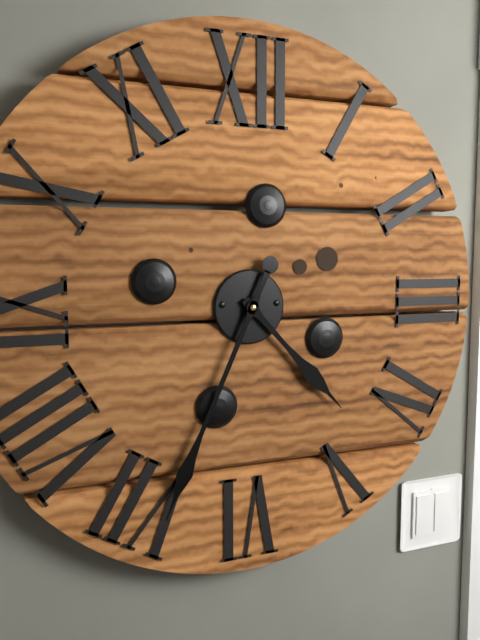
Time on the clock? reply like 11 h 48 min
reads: 4 h 34 min
